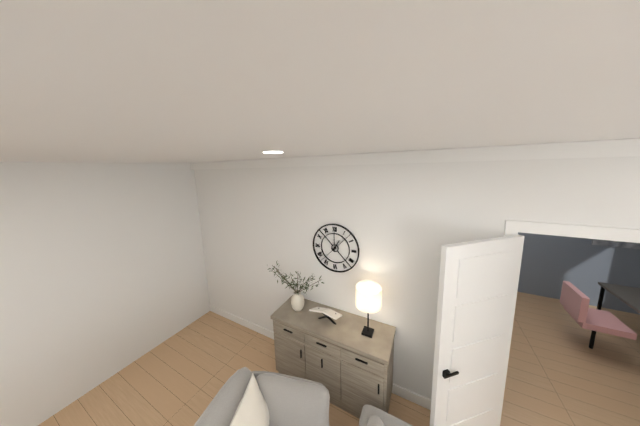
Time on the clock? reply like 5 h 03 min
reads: 1 h 00 min
